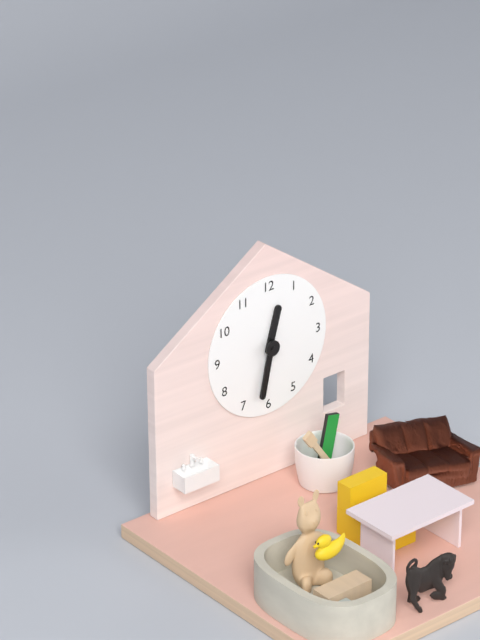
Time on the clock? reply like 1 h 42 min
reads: 12 h 32 min
